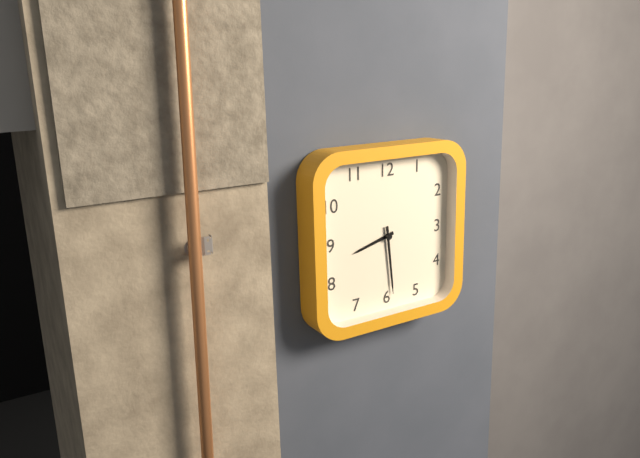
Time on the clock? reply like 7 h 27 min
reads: 8 h 29 min
